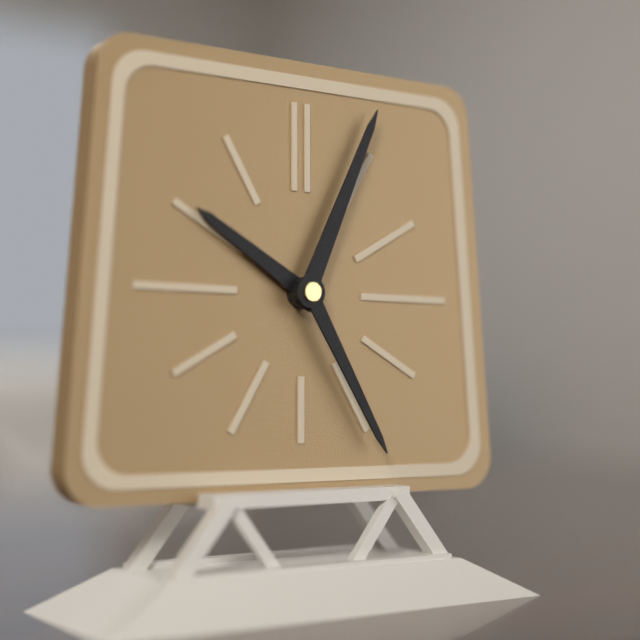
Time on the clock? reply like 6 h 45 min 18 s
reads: 10 h 04 min 25 s
